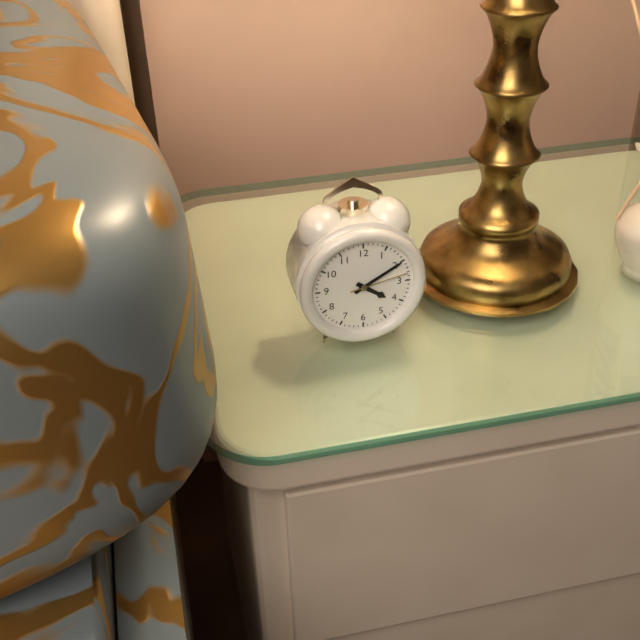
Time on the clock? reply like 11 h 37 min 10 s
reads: 4 h 10 min 13 s
